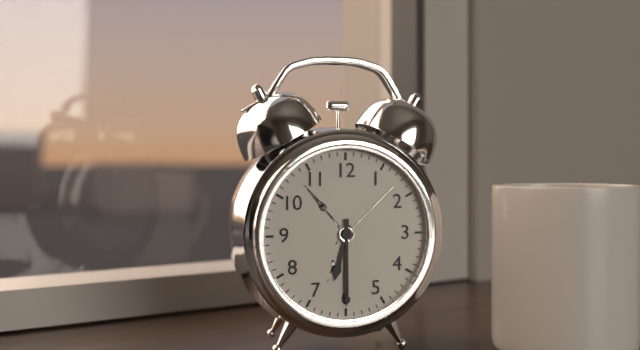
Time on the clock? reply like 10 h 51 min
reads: 6 h 30 min
